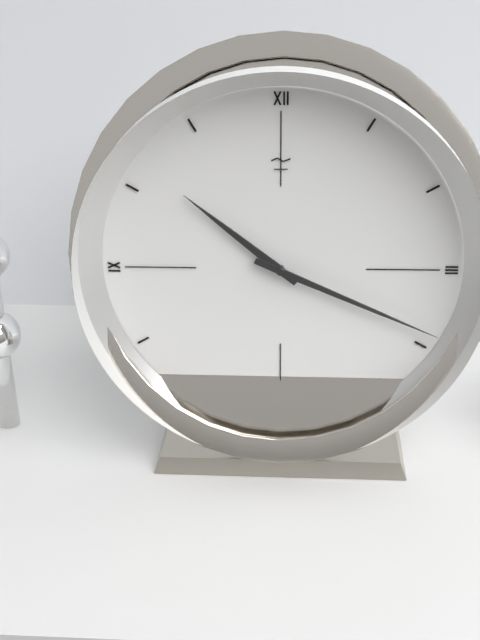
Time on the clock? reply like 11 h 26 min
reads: 10 h 19 min
